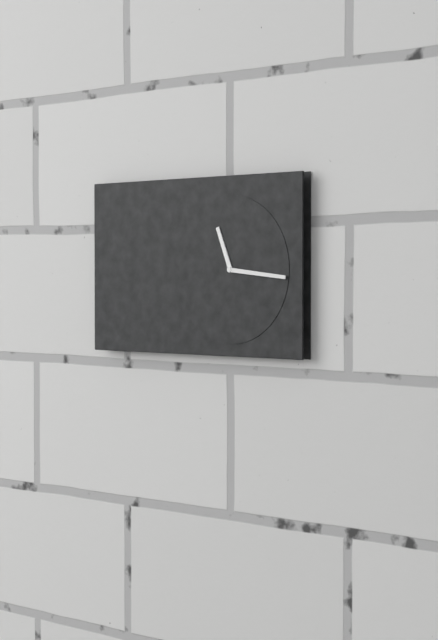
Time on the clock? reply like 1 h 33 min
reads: 11 h 16 min
